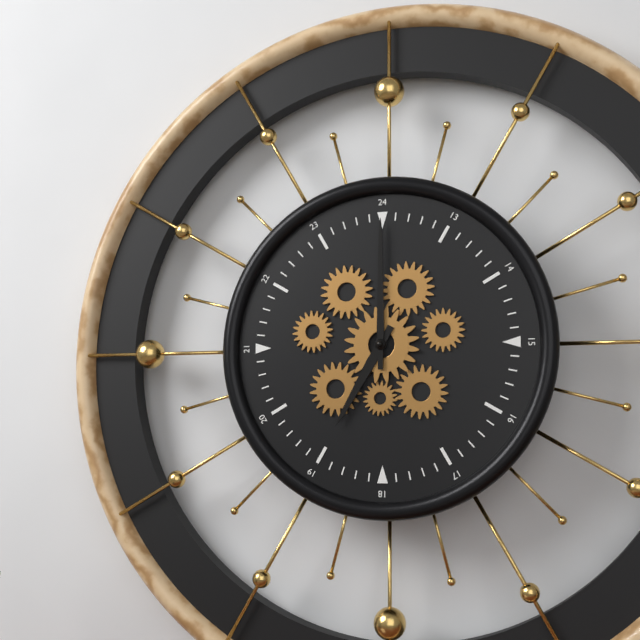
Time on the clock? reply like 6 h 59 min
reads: 7 h 00 min
